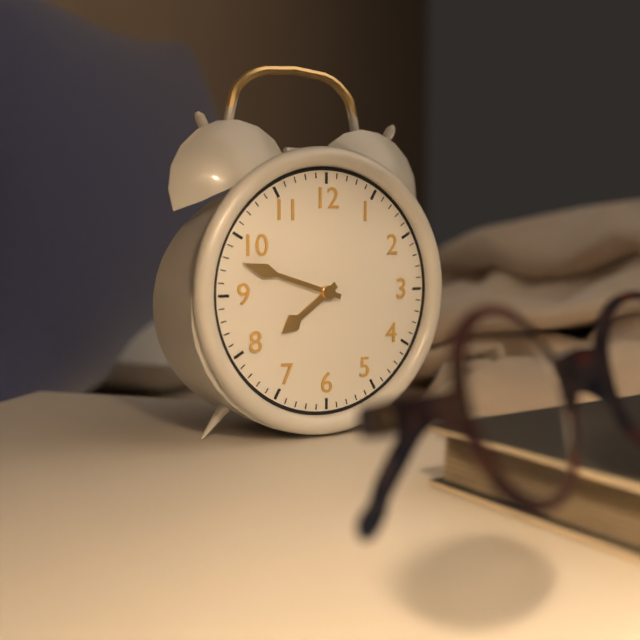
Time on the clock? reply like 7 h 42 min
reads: 7 h 48 min
